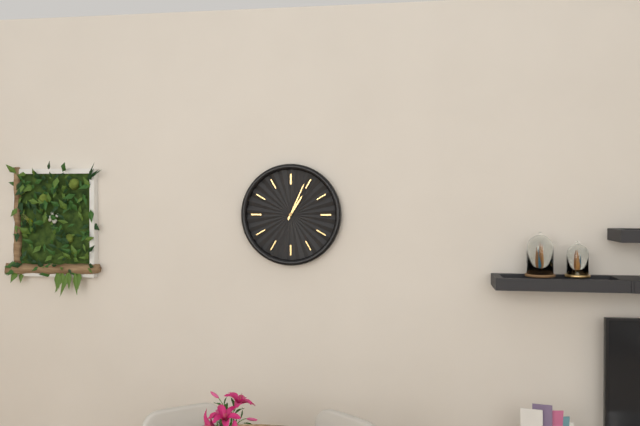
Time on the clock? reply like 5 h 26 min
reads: 1 h 04 min
